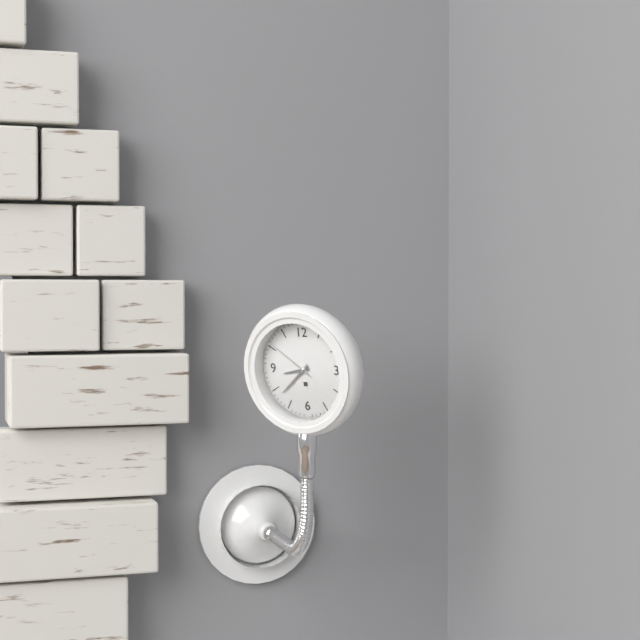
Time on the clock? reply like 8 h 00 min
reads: 8 h 38 min
